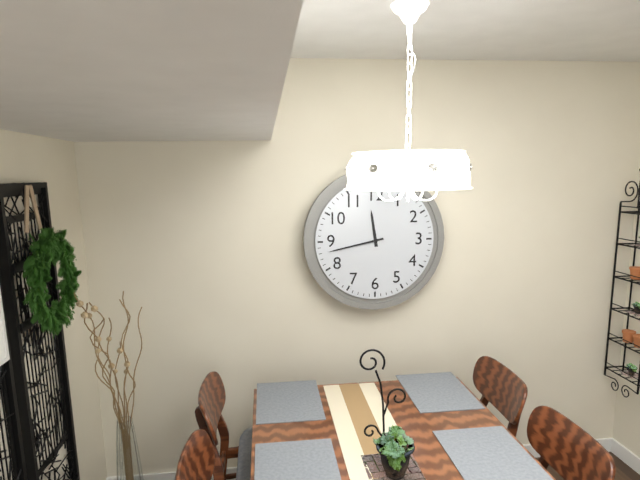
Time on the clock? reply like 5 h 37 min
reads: 11 h 43 min
